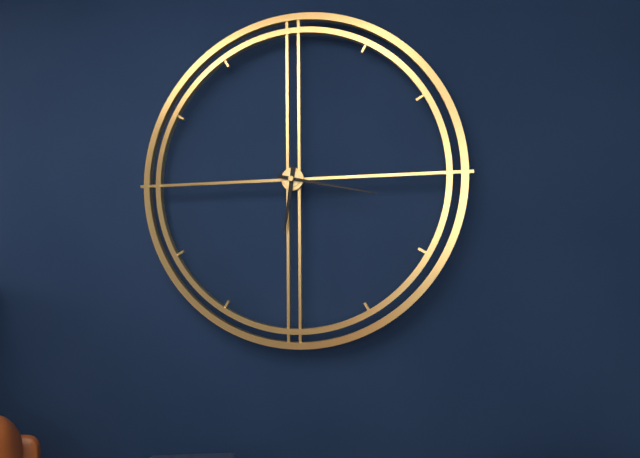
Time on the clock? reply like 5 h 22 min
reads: 6 h 17 min
